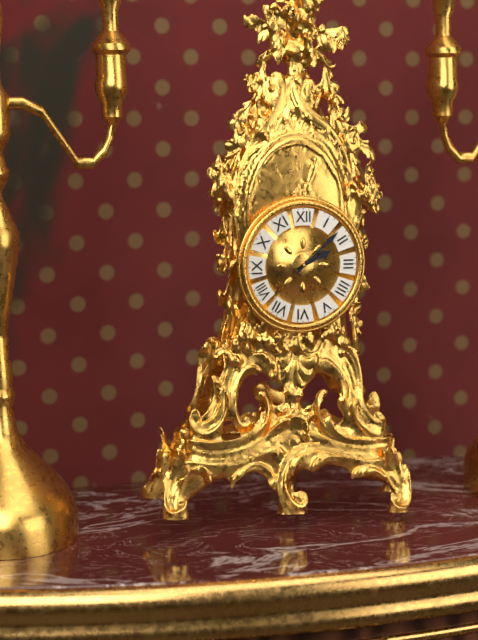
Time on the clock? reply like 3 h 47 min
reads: 2 h 08 min
